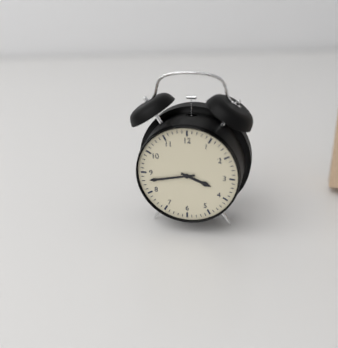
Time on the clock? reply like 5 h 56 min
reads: 3 h 43 min
